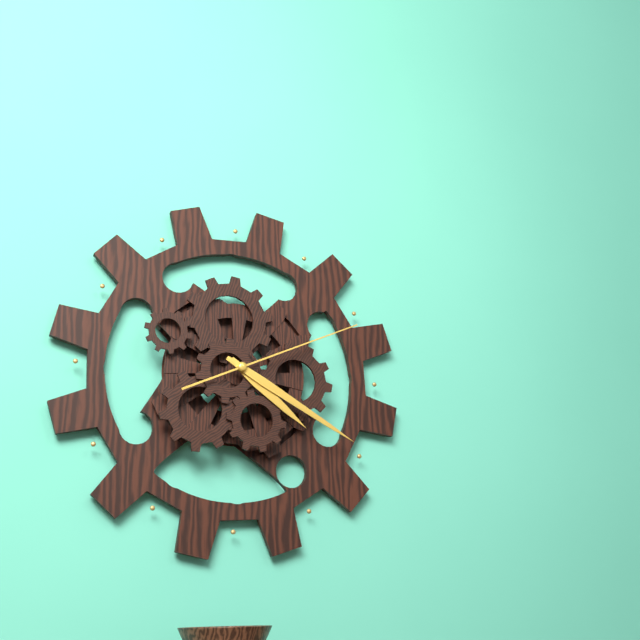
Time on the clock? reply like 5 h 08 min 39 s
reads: 4 h 20 min 11 s
